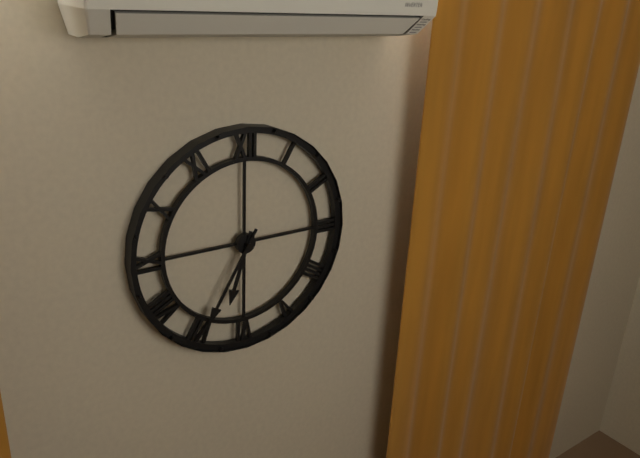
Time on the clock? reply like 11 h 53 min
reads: 6 h 35 min
